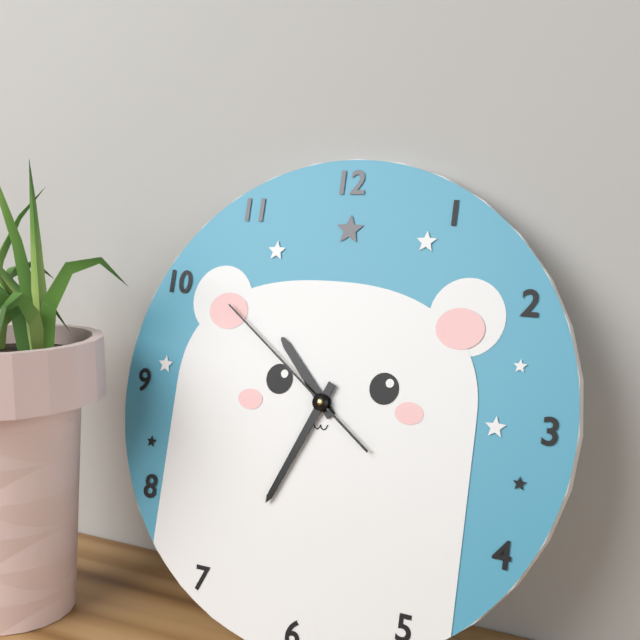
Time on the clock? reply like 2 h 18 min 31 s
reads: 10 h 34 min 51 s
